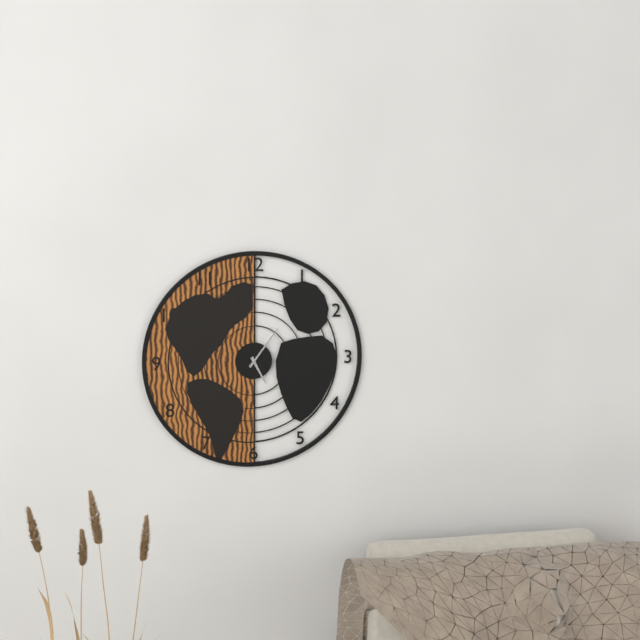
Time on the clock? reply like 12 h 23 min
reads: 5 h 06 min
